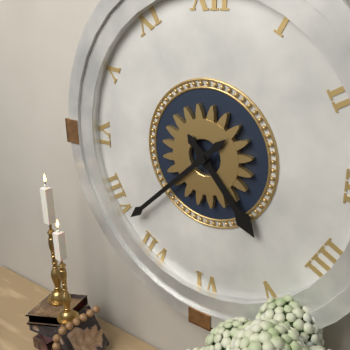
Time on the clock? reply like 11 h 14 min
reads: 4 h 38 min
